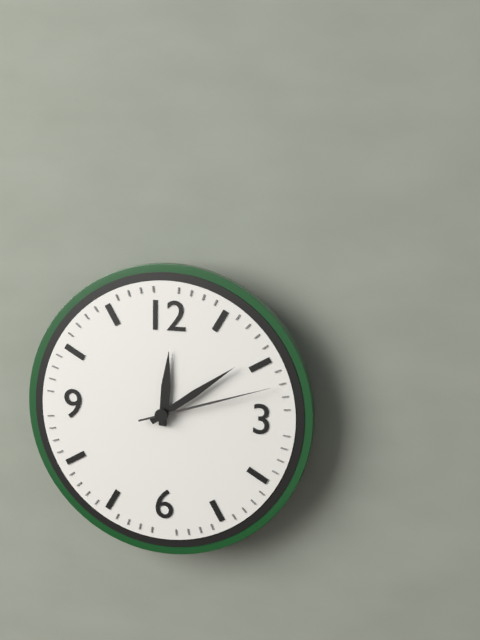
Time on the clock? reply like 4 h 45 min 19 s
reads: 12 h 09 min 12 s
